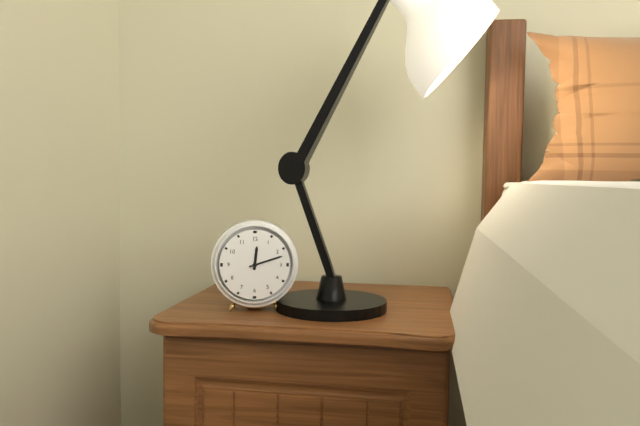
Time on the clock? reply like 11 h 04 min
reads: 12 h 12 min
